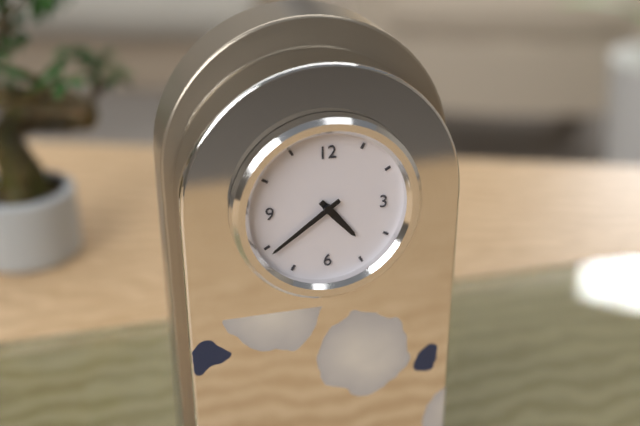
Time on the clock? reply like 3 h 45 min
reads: 4 h 39 min
